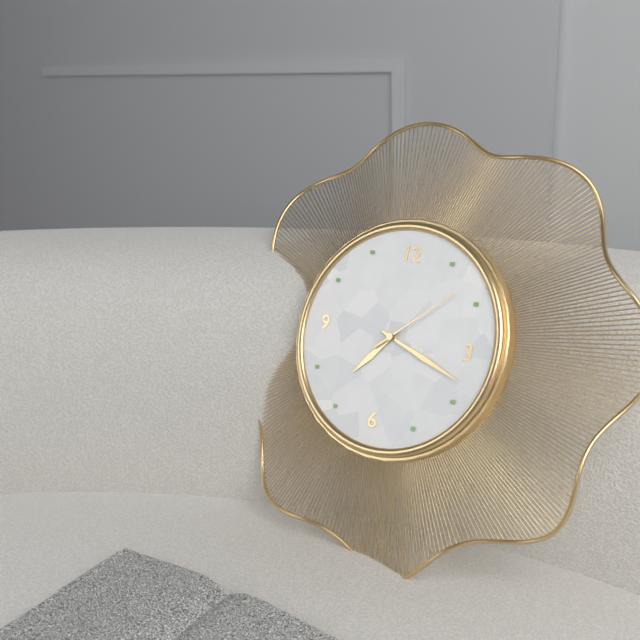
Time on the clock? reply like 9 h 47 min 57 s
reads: 7 h 18 min 08 s
